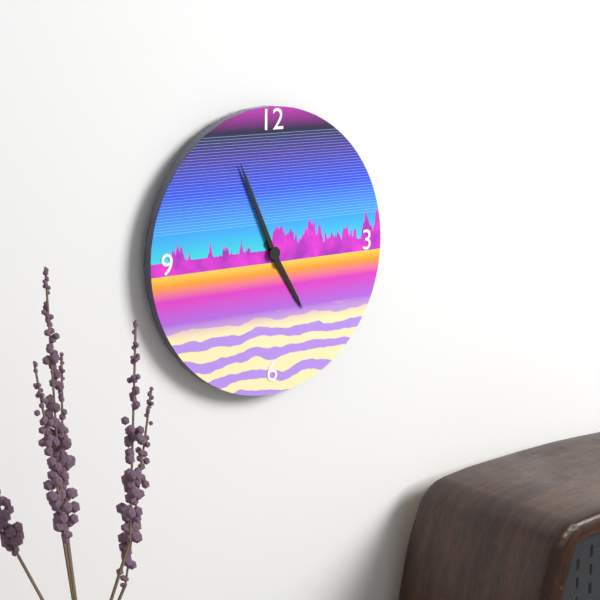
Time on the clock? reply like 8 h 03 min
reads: 4 h 56 min
